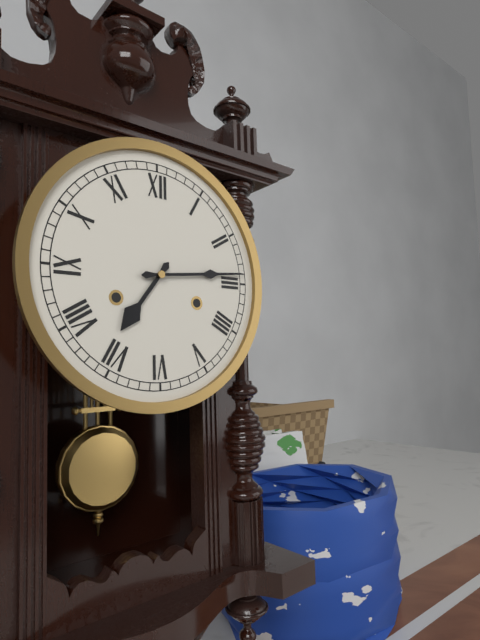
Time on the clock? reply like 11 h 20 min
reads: 7 h 14 min
